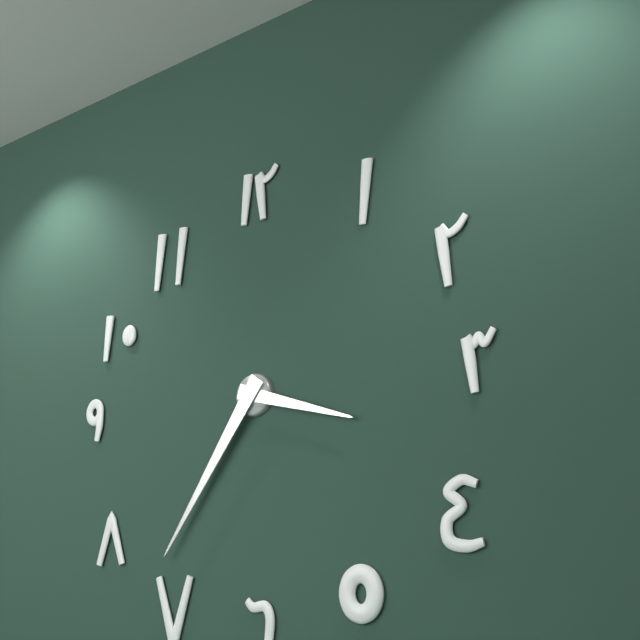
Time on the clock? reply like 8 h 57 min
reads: 3 h 36 min
